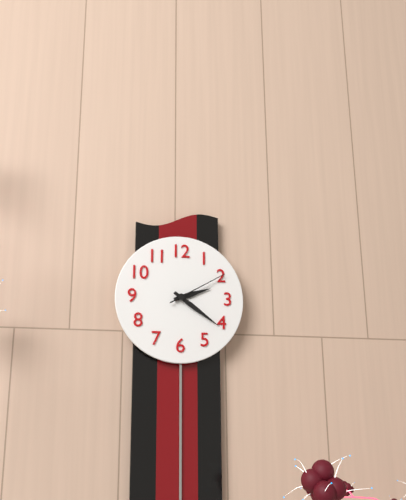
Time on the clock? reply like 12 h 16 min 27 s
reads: 2 h 21 min 10 s
